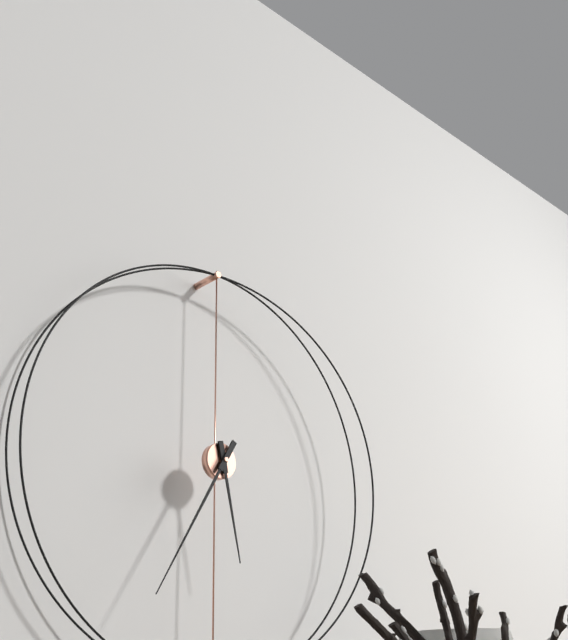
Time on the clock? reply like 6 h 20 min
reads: 5 h 35 min
